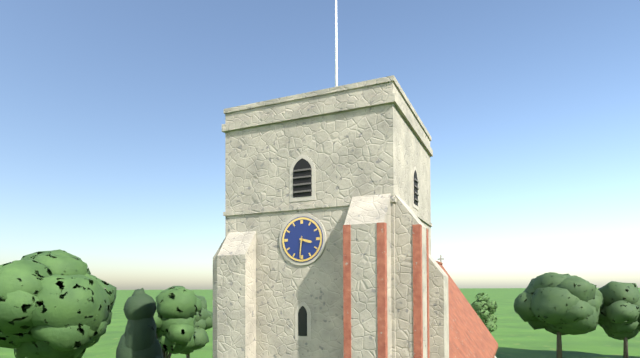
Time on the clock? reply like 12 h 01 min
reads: 3 h 31 min
